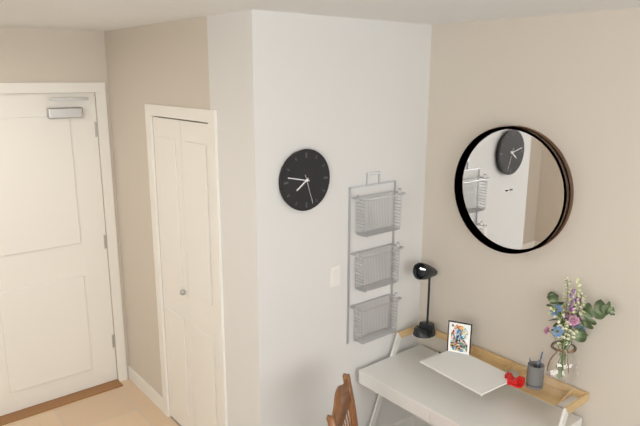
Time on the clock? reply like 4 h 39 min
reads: 7 h 47 min
